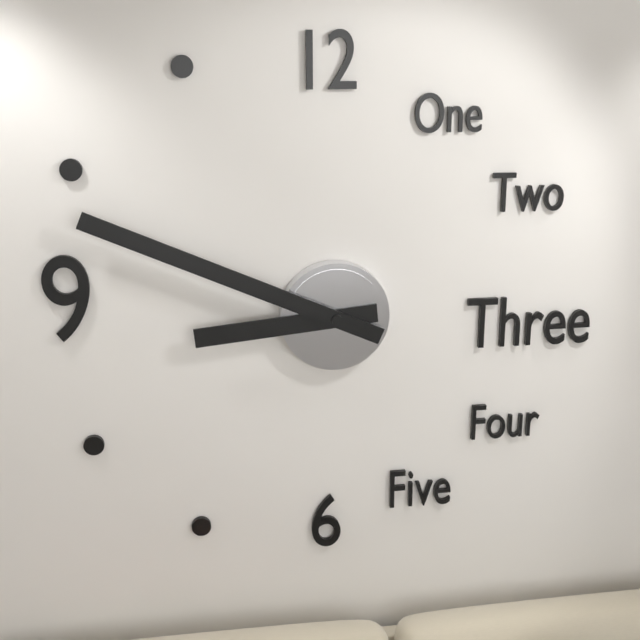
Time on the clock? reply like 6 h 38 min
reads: 8 h 49 min
